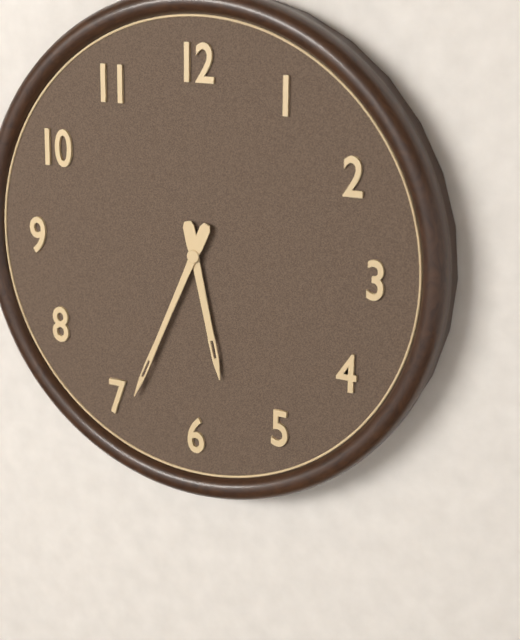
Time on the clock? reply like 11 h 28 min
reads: 5 h 34 min
